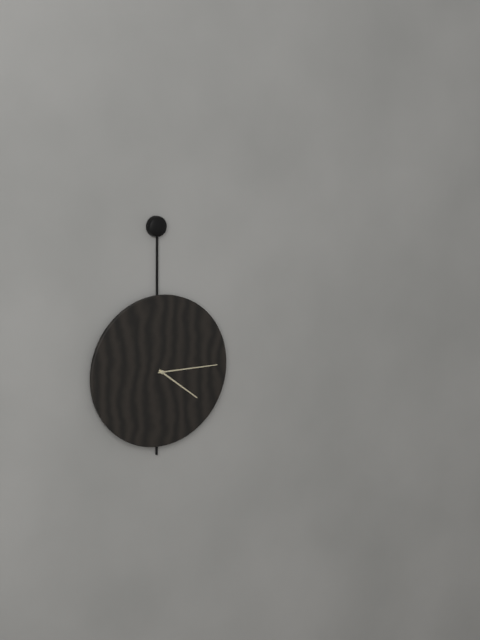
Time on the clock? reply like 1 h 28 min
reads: 4 h 15 min
